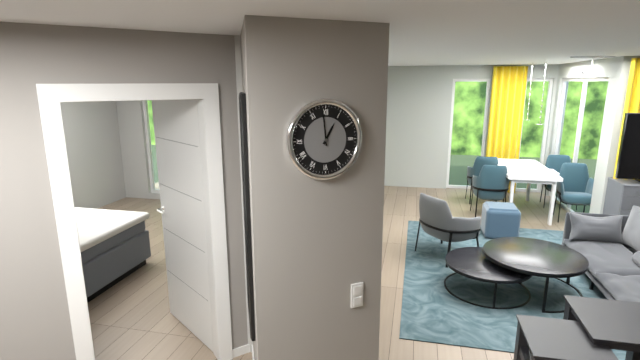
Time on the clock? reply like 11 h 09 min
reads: 12 h 59 min
